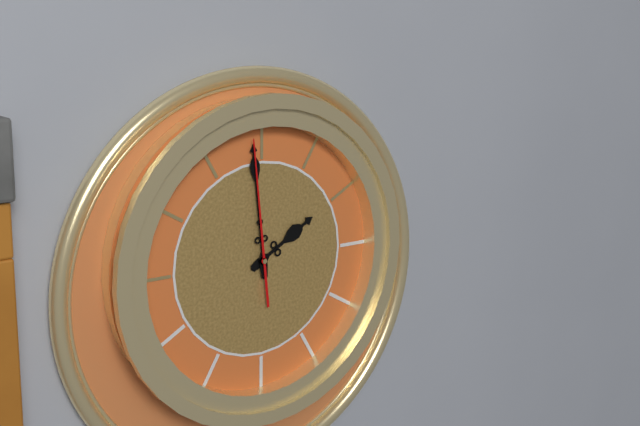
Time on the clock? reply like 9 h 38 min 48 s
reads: 1 h 59 min 59 s
